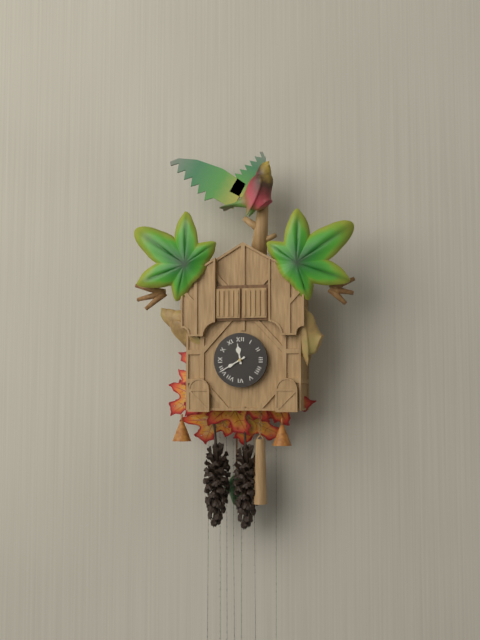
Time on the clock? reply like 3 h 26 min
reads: 11 h 40 min
